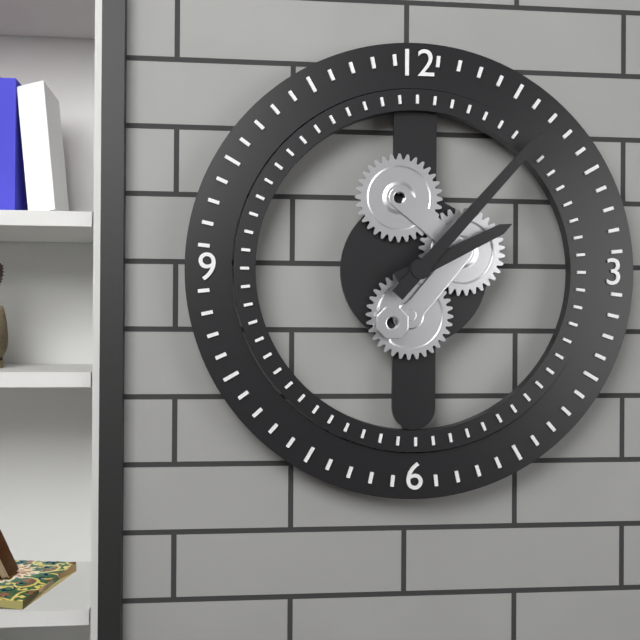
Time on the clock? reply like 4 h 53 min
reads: 2 h 07 min
